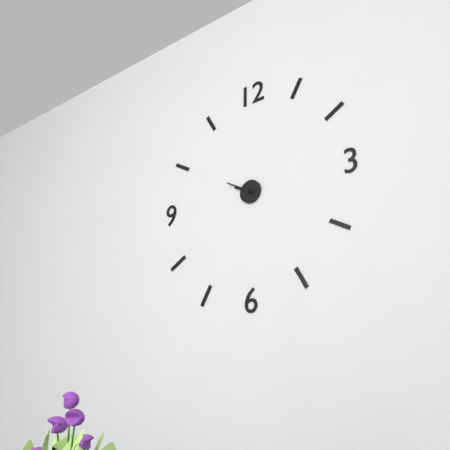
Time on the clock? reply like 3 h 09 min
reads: 9 h 50 min
